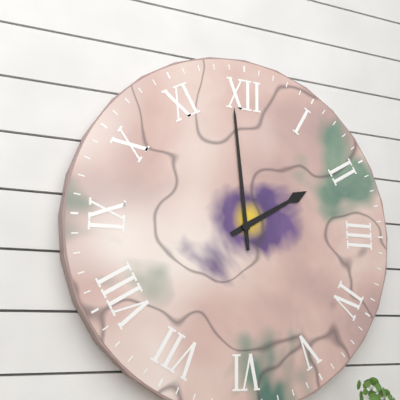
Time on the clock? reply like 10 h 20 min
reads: 1 h 59 min
